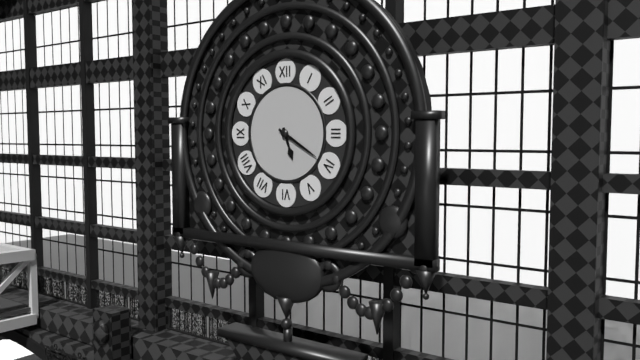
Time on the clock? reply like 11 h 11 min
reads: 5 h 20 min
